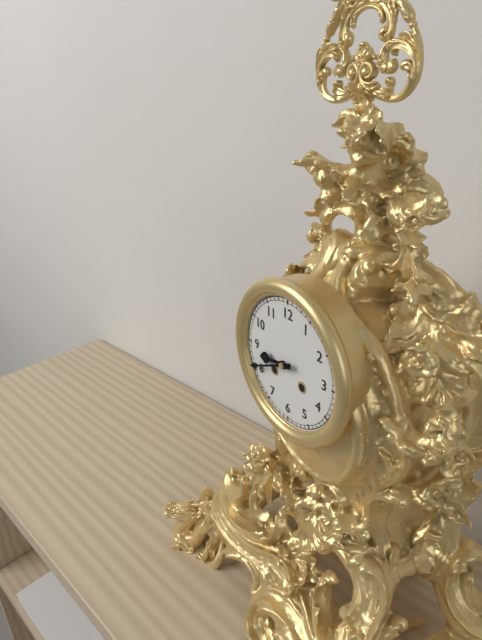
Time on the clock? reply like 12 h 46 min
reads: 8 h 41 min
